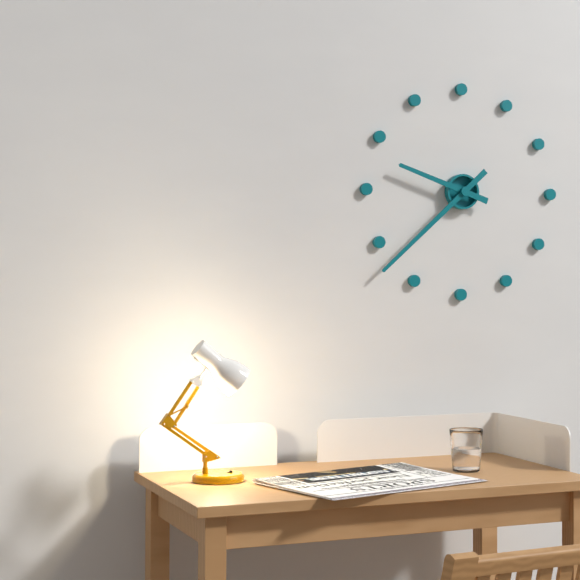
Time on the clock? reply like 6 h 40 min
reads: 9 h 38 min
